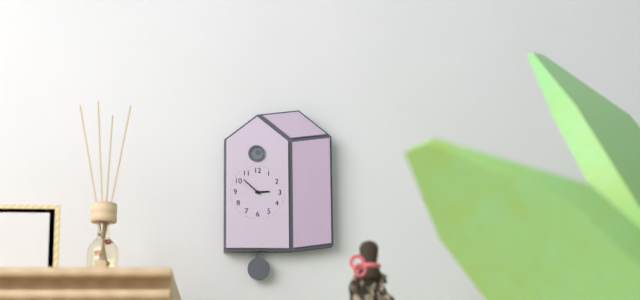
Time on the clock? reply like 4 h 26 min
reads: 2 h 52 min
